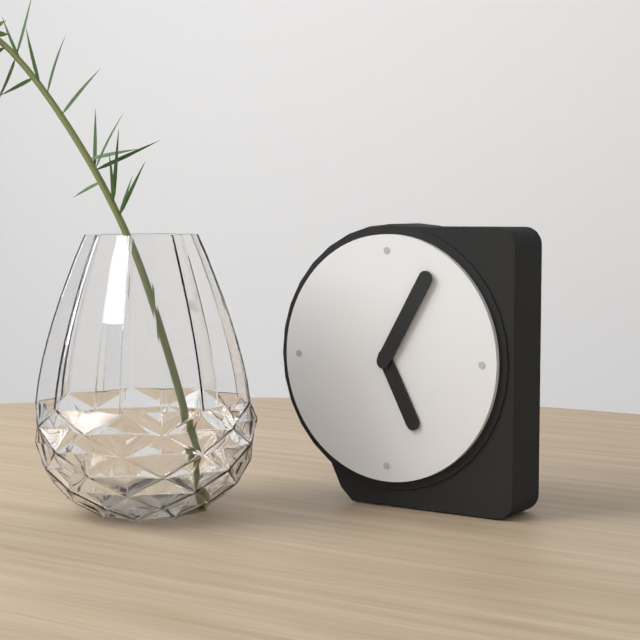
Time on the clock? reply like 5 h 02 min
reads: 5 h 05 min
